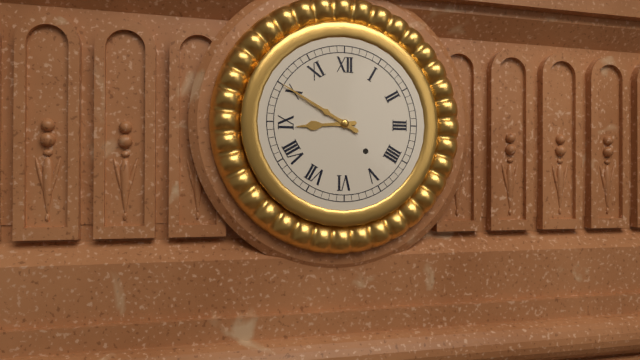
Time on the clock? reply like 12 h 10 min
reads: 8 h 50 min
